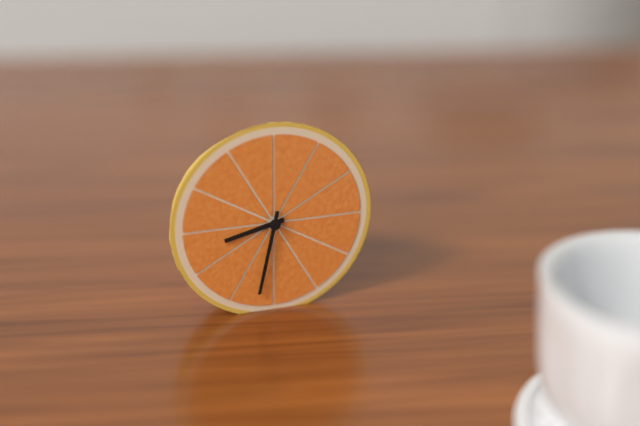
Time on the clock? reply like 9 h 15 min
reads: 8 h 32 min
